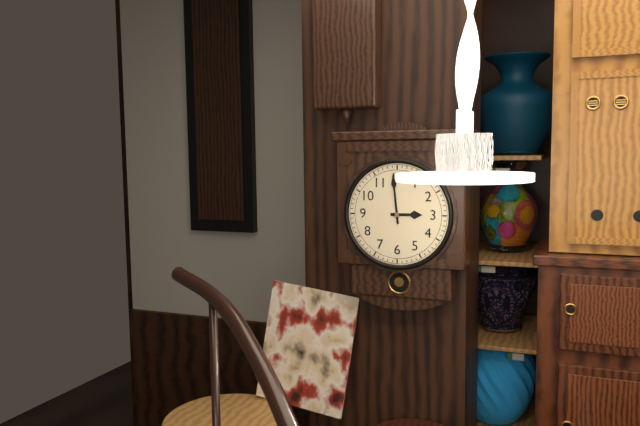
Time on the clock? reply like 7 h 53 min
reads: 2 h 59 min
